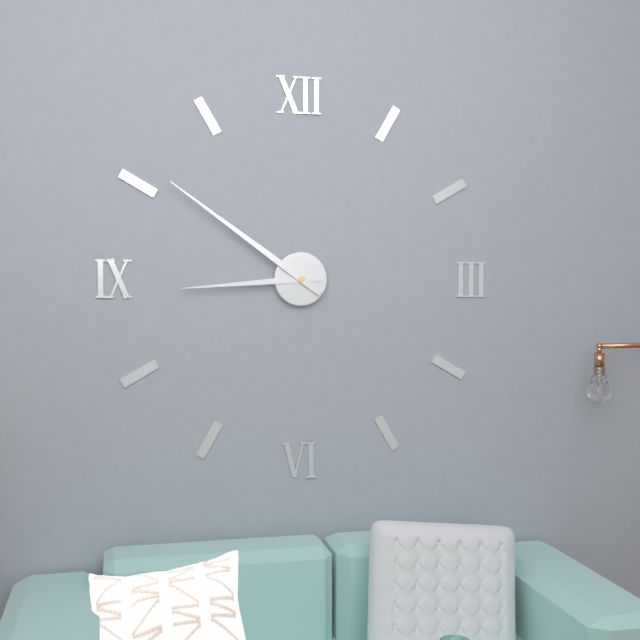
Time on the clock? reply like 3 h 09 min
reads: 8 h 51 min
